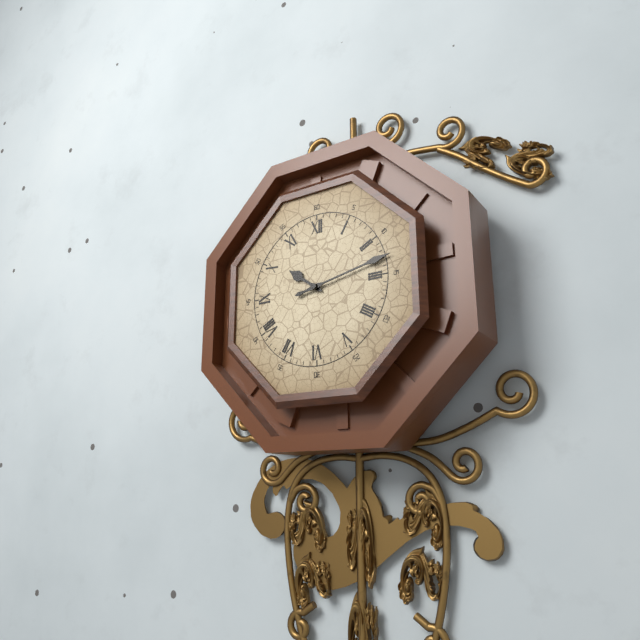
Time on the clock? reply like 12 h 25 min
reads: 10 h 13 min
